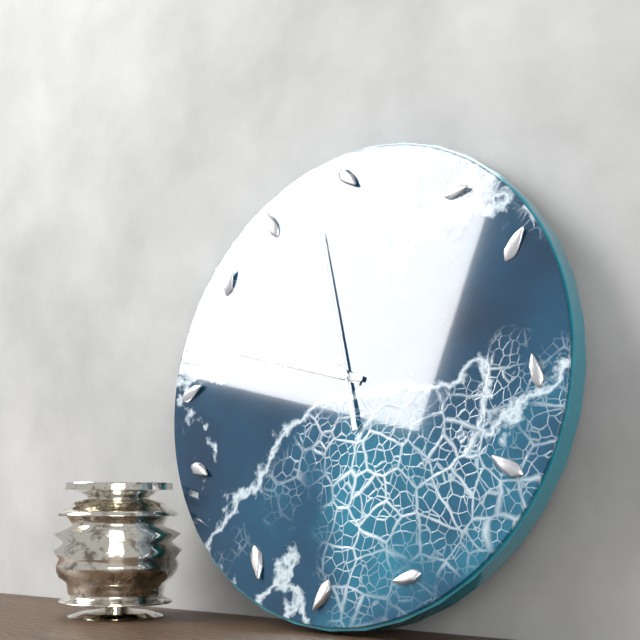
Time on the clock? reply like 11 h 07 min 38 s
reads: 9 h 47 min 57 s
